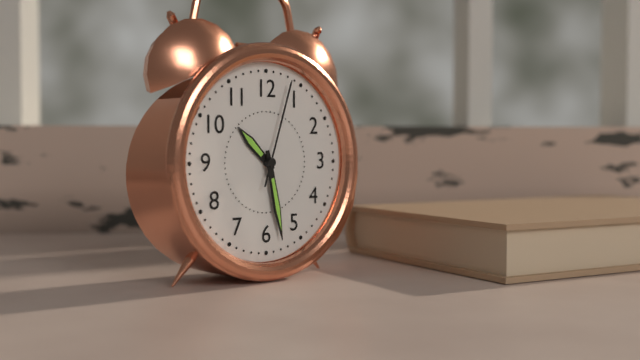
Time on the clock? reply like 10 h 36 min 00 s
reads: 10 h 28 min 03 s
